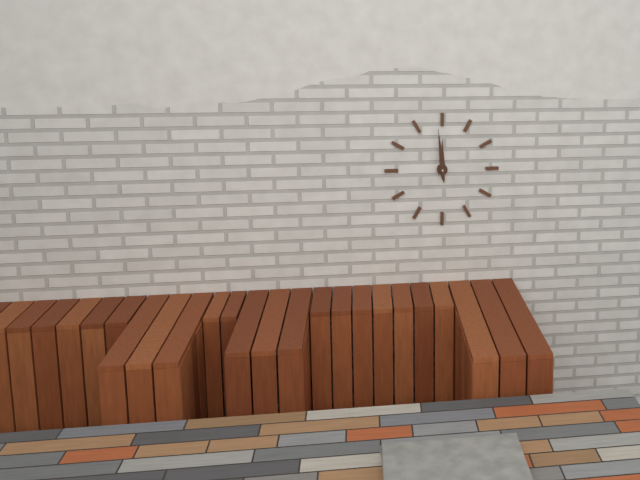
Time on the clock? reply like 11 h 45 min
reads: 11 h 59 min
